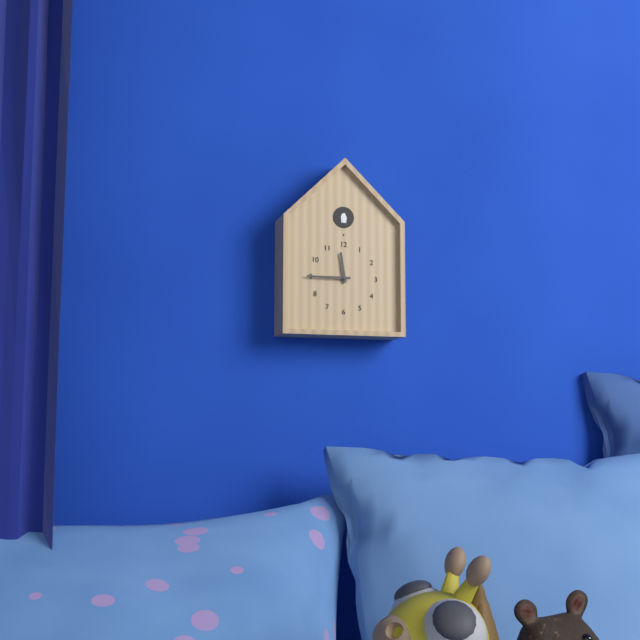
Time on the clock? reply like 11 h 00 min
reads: 11 h 45 min
